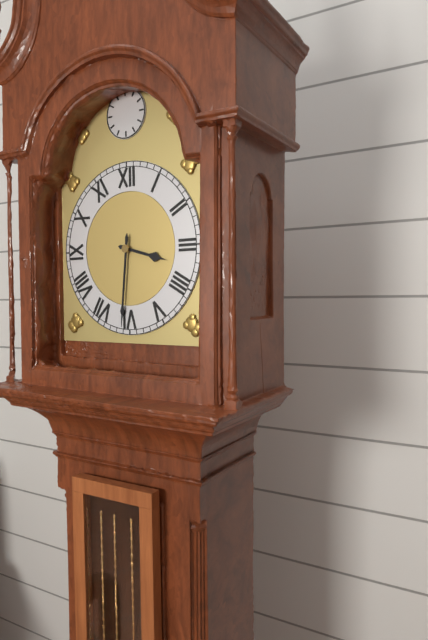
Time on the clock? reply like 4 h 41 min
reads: 3 h 31 min
